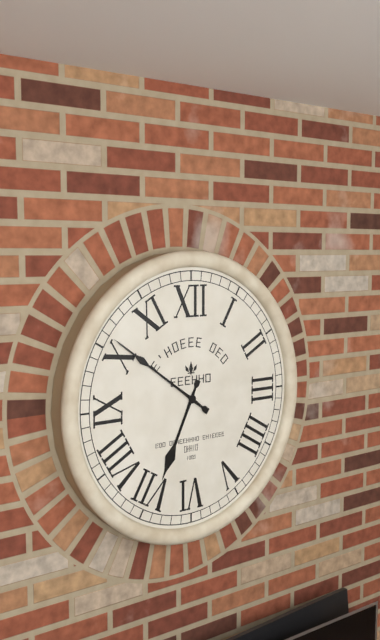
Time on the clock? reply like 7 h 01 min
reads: 6 h 51 min
